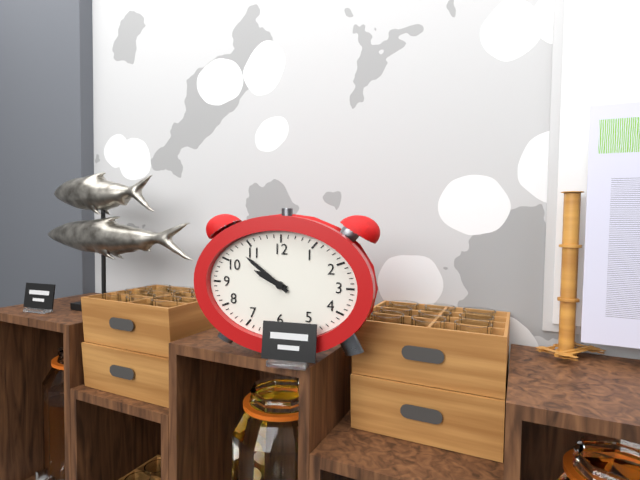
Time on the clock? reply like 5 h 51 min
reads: 9 h 51 min
